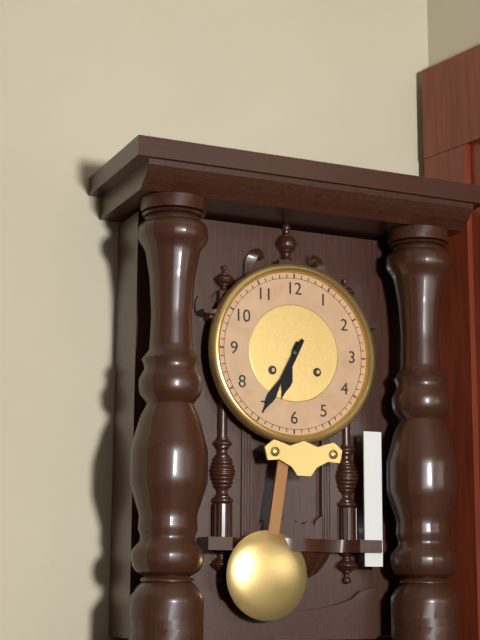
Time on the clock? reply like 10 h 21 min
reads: 6 h 35 min
